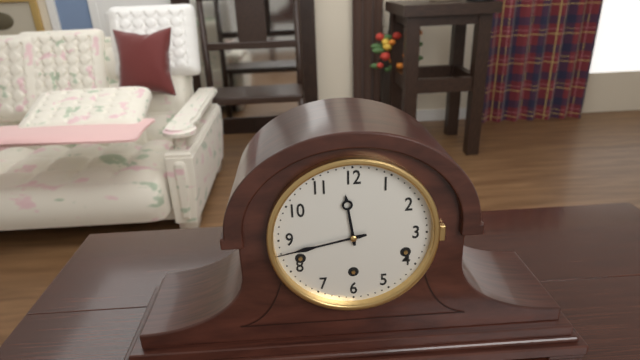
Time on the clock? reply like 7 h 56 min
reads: 11 h 43 min
